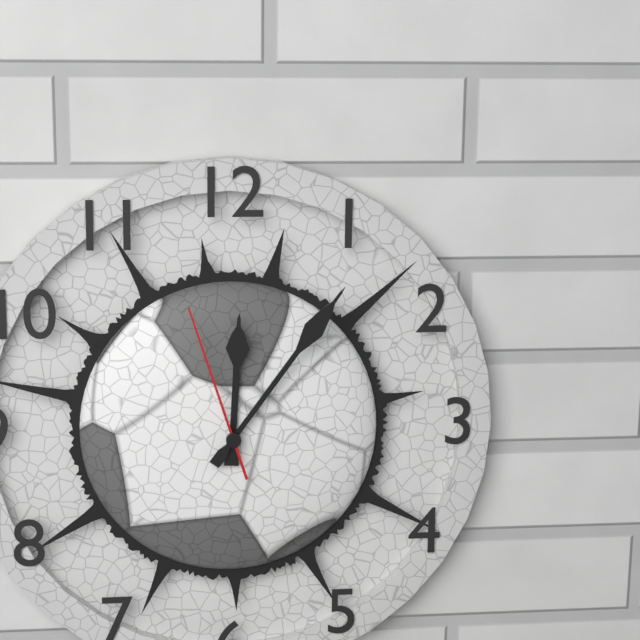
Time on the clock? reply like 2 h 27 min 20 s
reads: 12 h 06 min 57 s
